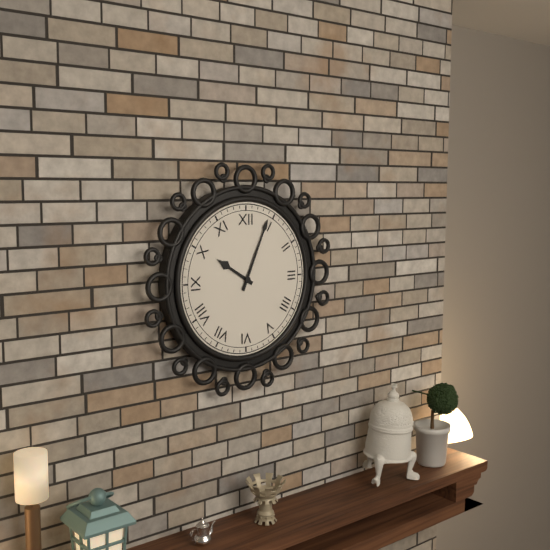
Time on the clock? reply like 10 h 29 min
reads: 10 h 04 min
